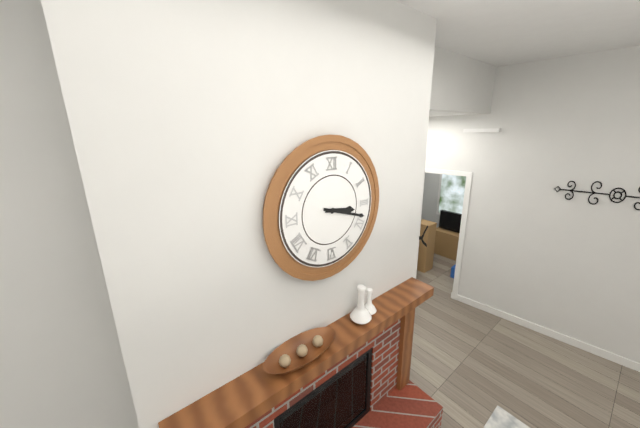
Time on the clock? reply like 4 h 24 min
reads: 3 h 18 min
